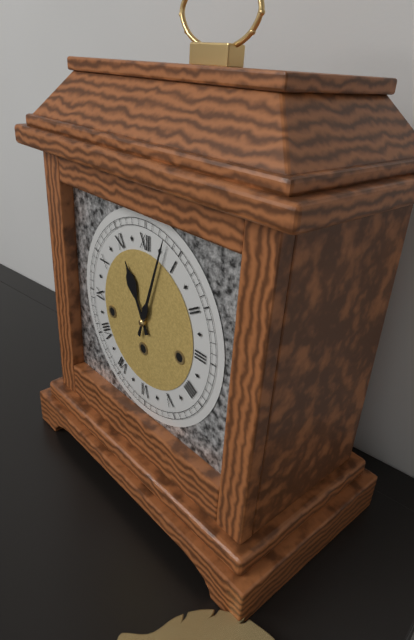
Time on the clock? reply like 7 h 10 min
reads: 11 h 03 min
